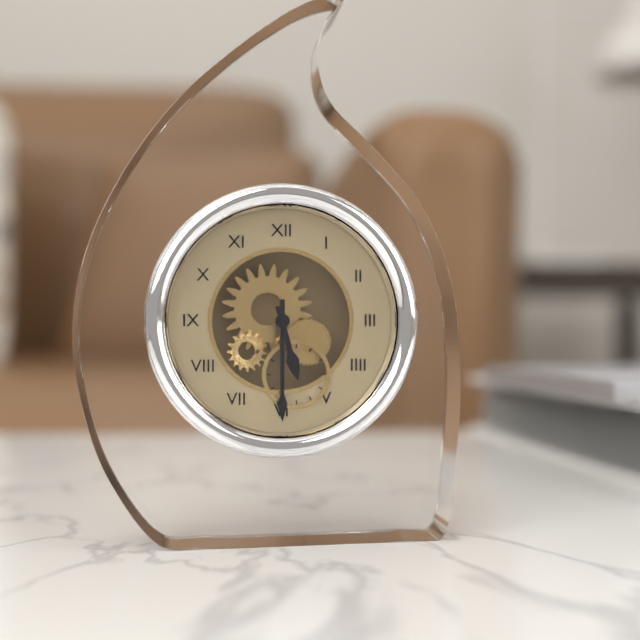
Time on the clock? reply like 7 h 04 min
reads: 5 h 30 min
